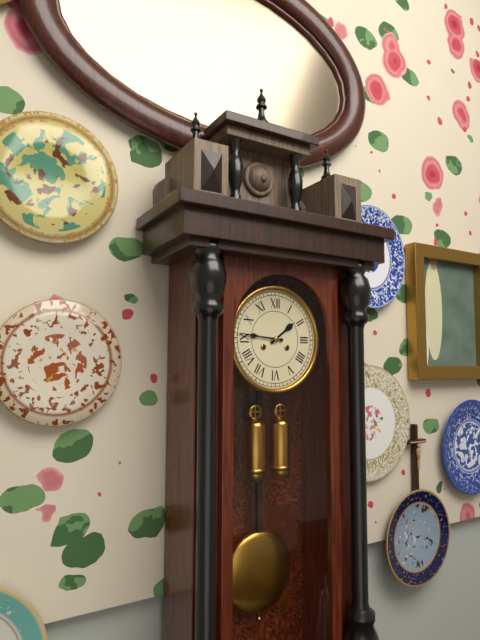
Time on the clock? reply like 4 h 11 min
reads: 1 h 46 min
